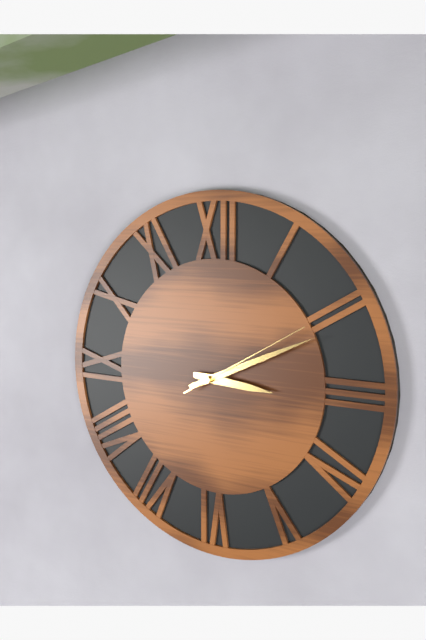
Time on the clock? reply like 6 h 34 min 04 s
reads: 3 h 11 min 10 s
